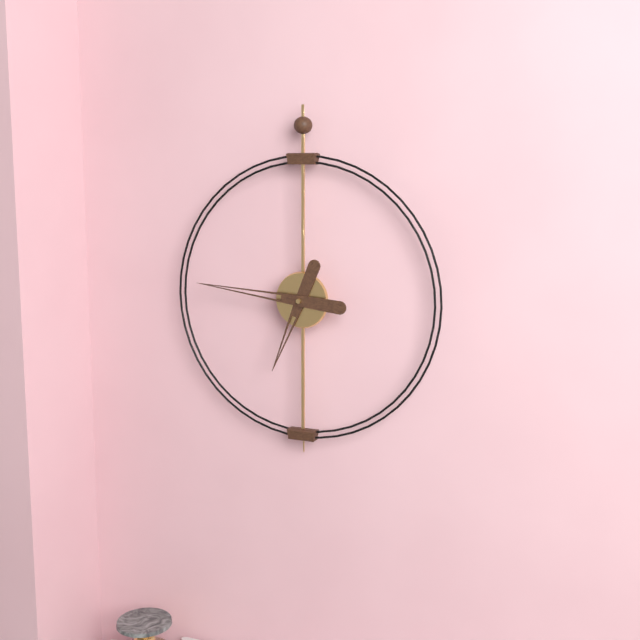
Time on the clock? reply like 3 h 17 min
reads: 6 h 46 min
